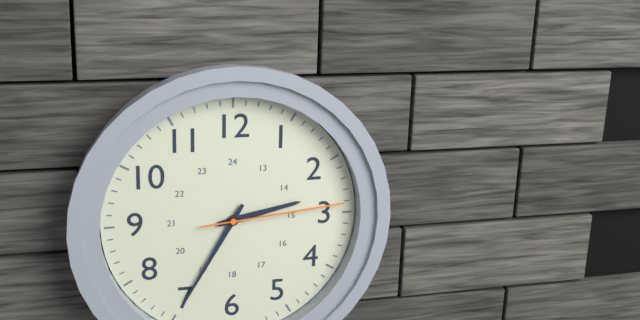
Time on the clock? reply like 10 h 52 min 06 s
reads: 2 h 35 min 14 s
